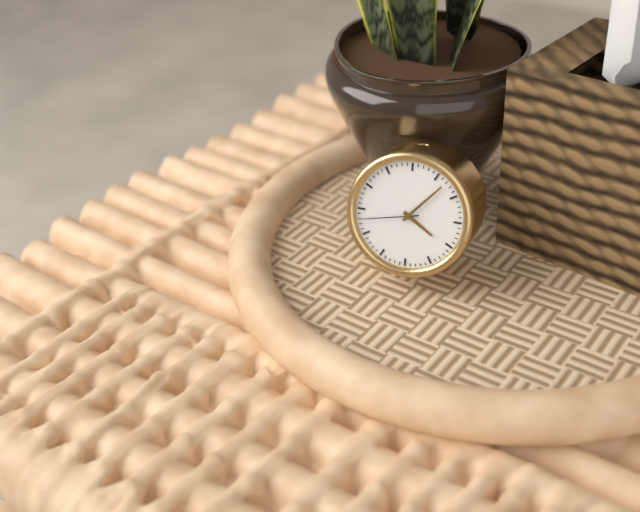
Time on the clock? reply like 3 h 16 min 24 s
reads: 4 h 07 min 43 s
